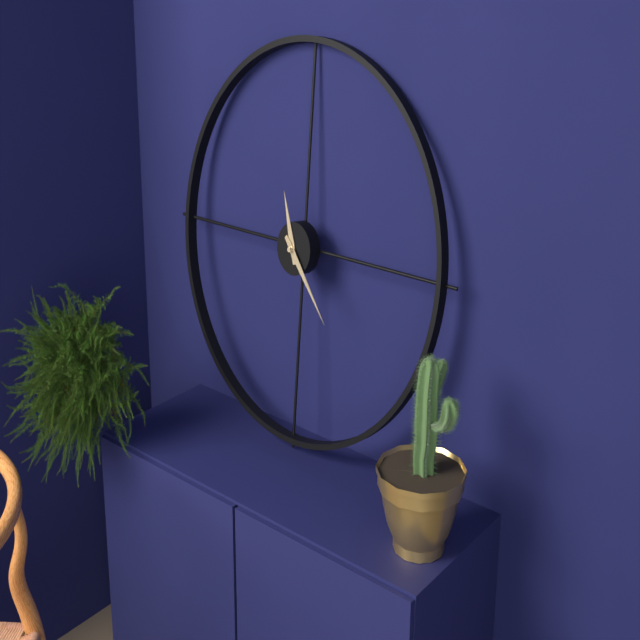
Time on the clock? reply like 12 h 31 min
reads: 11 h 23 min
